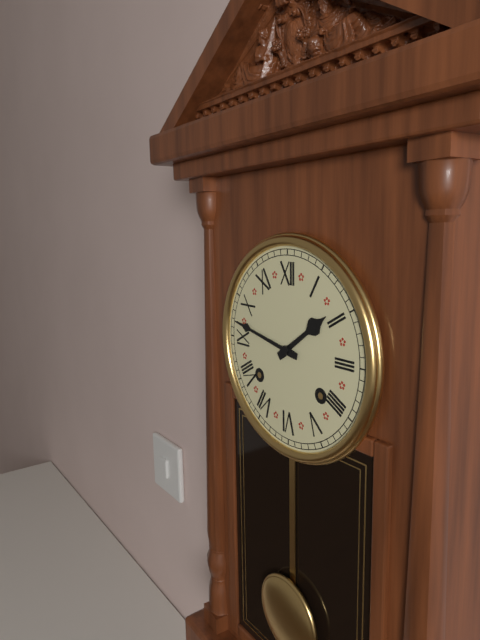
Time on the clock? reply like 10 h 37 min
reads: 1 h 47 min
